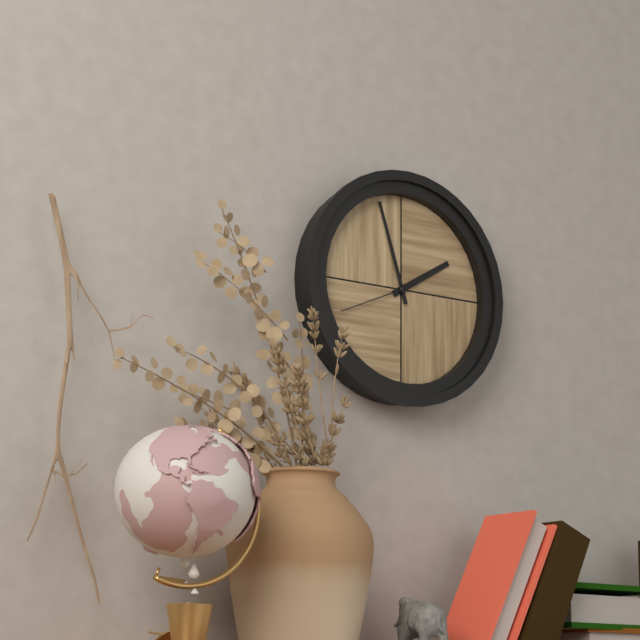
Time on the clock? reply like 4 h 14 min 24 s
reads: 1 h 57 min 41 s
